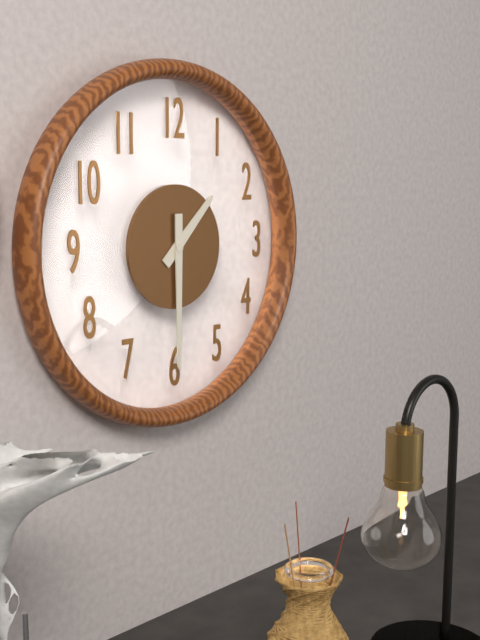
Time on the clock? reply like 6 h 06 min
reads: 1 h 30 min
